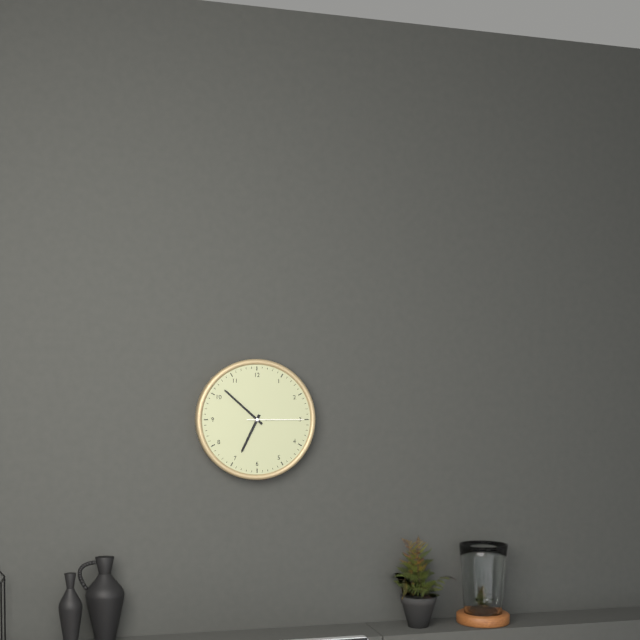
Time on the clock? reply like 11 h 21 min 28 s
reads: 6 h 52 min 15 s
